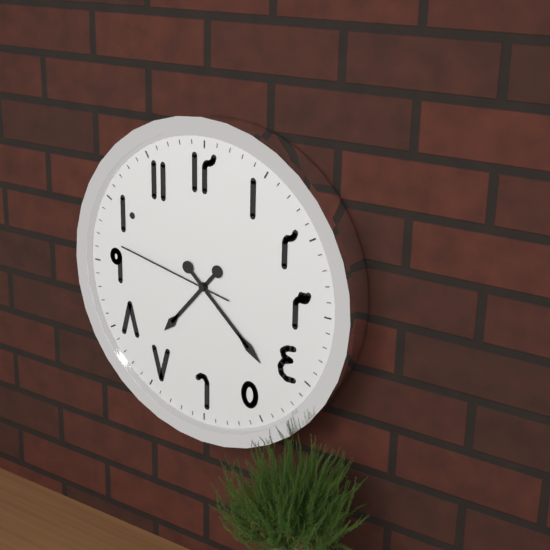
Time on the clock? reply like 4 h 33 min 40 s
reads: 7 h 22 min 47 s
